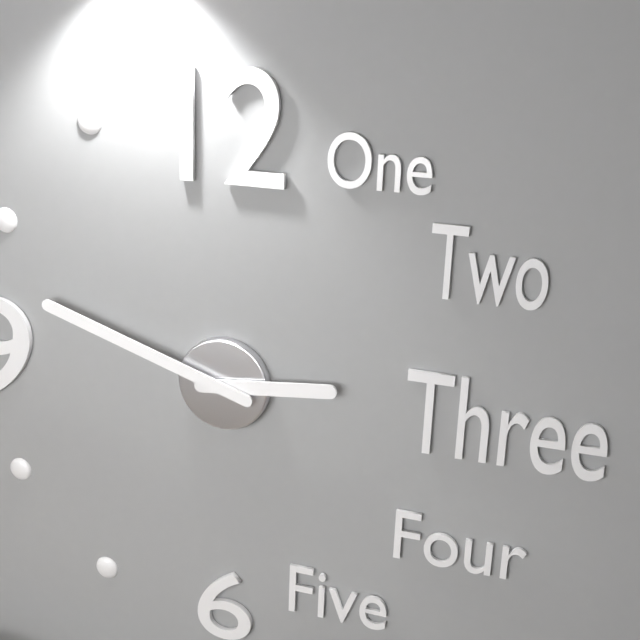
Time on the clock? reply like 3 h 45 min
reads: 2 h 48 min
